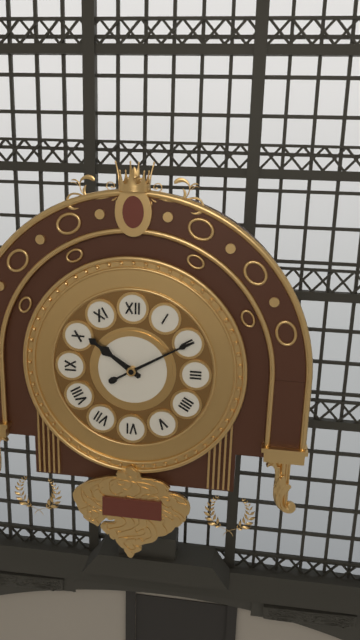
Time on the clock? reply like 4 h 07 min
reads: 10 h 10 min
